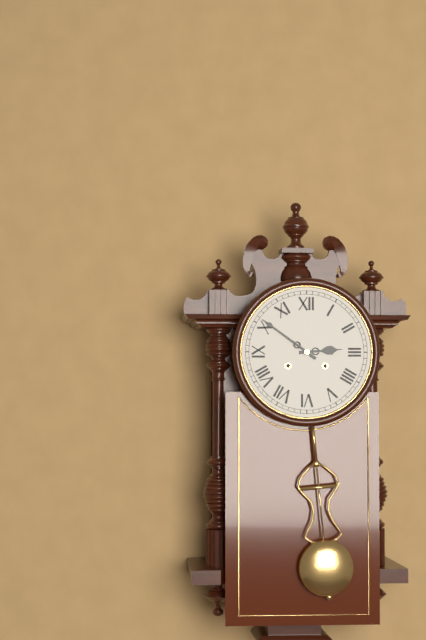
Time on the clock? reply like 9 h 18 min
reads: 2 h 51 min
